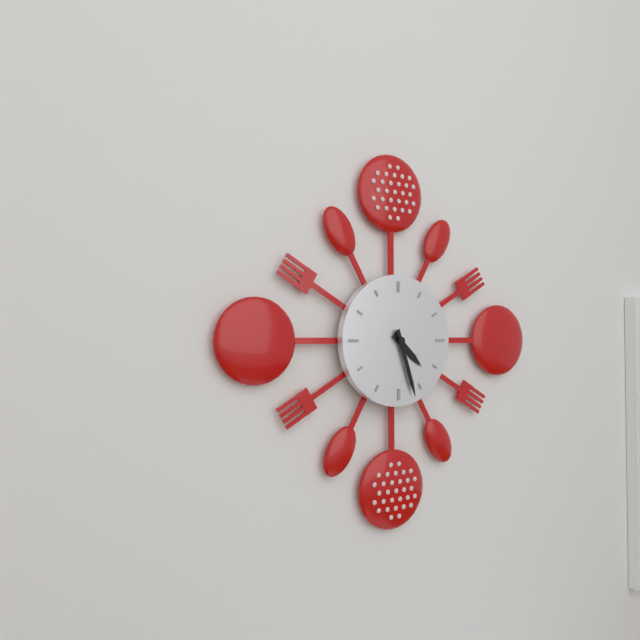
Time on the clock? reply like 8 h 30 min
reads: 4 h 27 min
